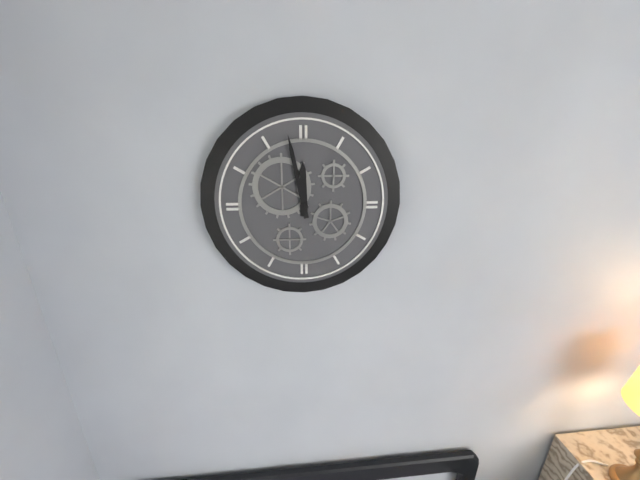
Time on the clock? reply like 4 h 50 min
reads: 11 h 58 min
